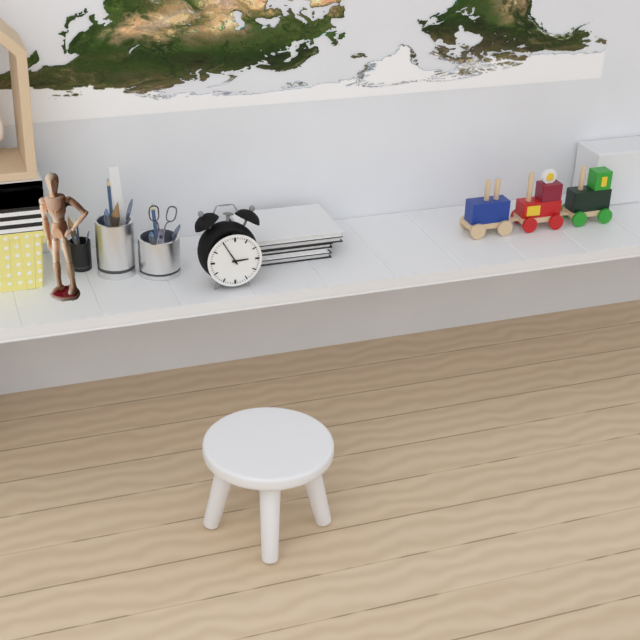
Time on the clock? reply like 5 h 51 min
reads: 2 h 55 min
